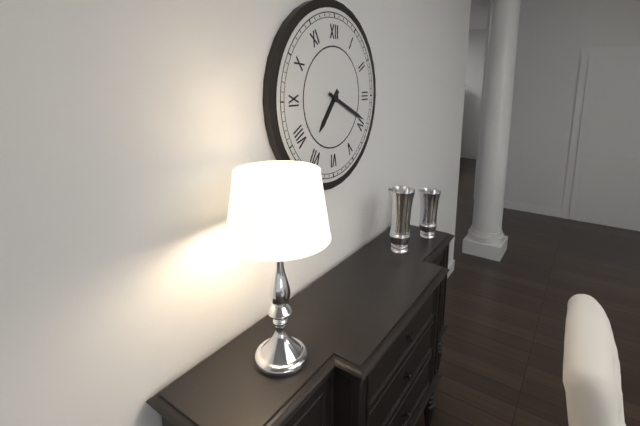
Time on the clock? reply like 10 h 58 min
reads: 7 h 19 min
